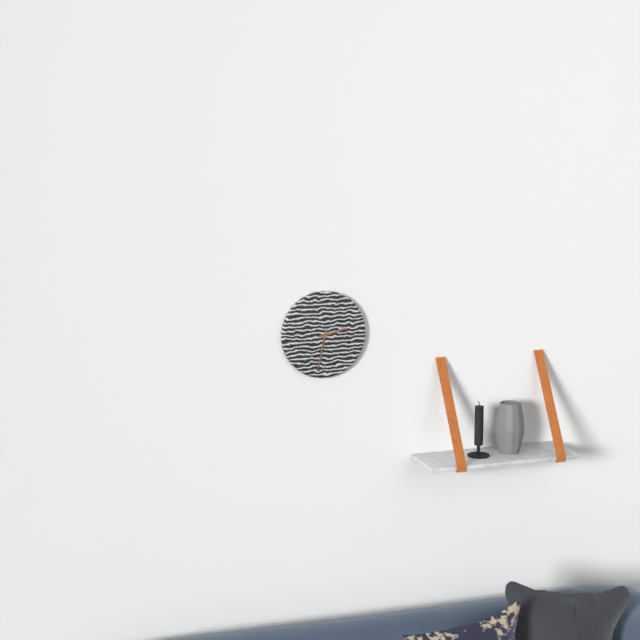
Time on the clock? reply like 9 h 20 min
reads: 2 h 32 min
